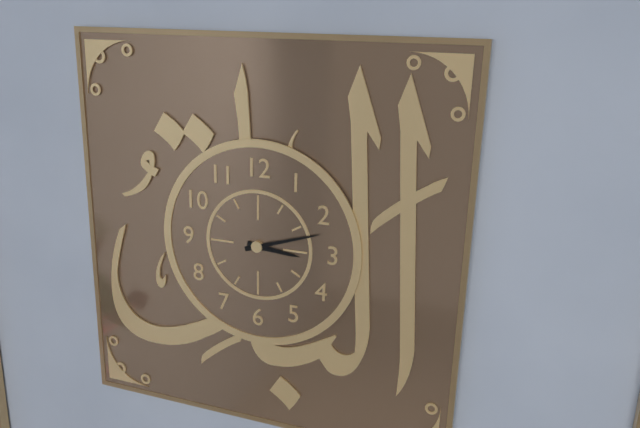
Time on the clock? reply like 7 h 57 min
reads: 3 h 12 min
